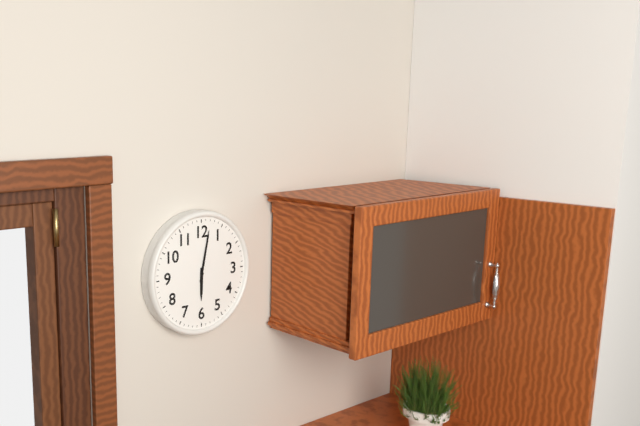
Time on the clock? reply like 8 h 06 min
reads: 6 h 02 min
